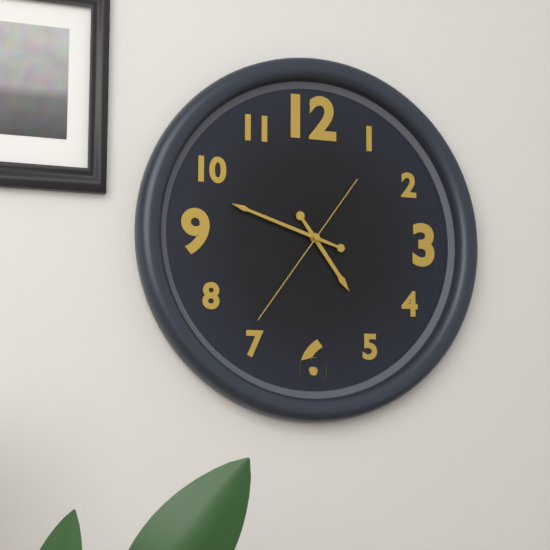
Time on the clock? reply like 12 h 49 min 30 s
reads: 4 h 48 min 36 s
